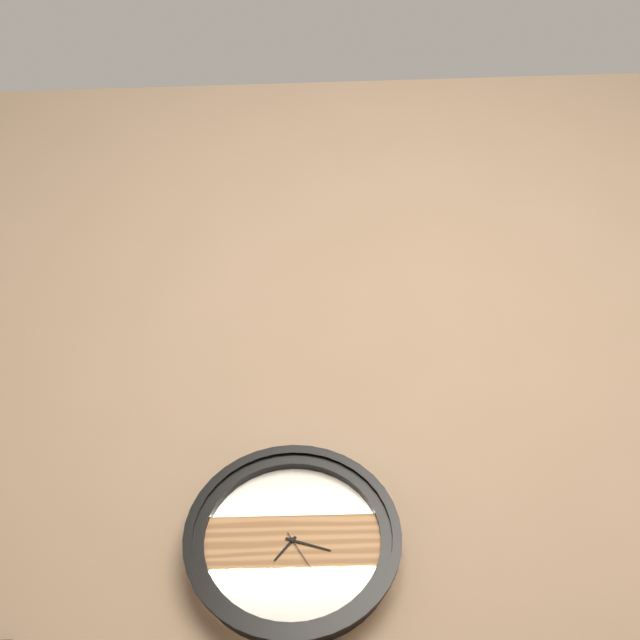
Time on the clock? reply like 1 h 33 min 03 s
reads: 7 h 18 min 25 s
